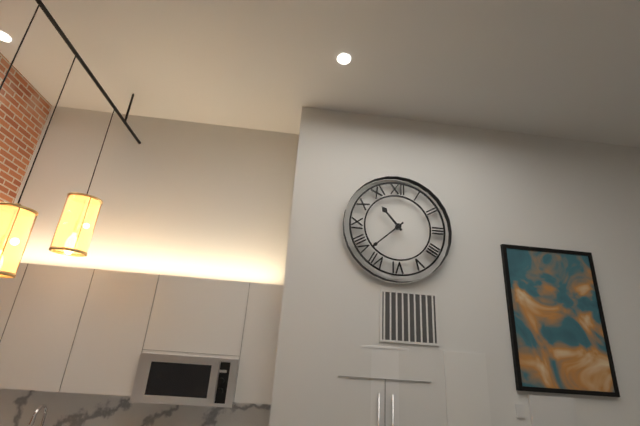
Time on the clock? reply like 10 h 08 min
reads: 10 h 38 min
